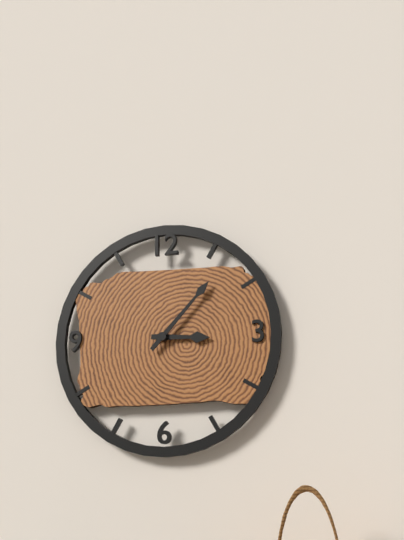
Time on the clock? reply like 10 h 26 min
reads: 3 h 07 min
